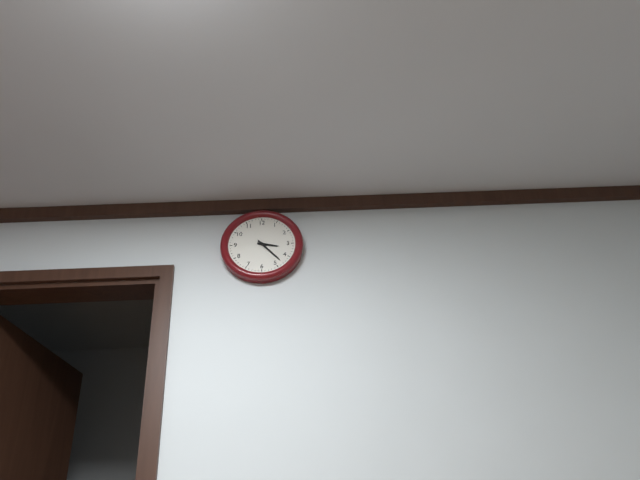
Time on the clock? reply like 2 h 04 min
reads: 3 h 23 min
